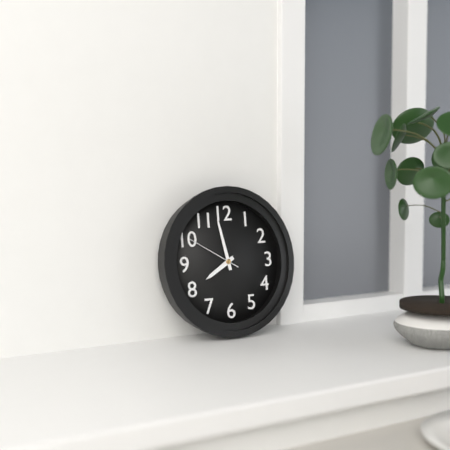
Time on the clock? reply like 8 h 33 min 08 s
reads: 7 h 58 min 50 s
